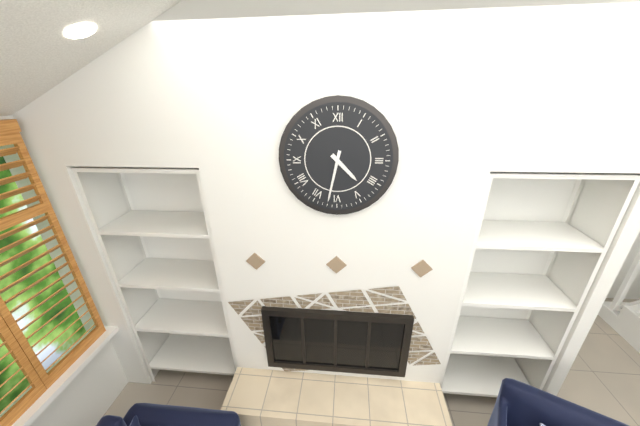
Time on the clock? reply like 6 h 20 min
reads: 4 h 32 min
